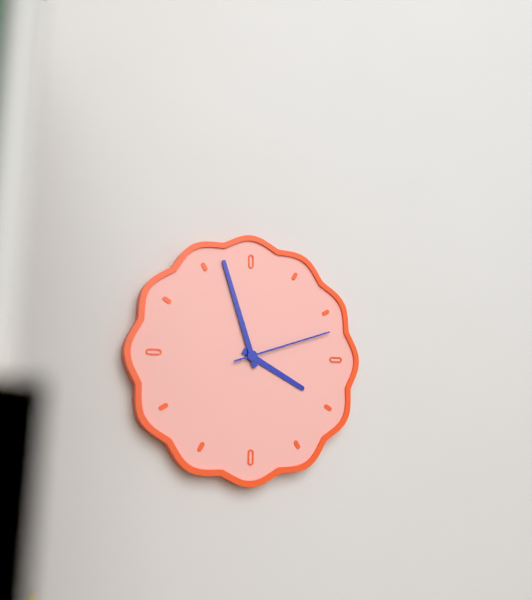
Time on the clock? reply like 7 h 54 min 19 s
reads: 3 h 57 min 12 s
